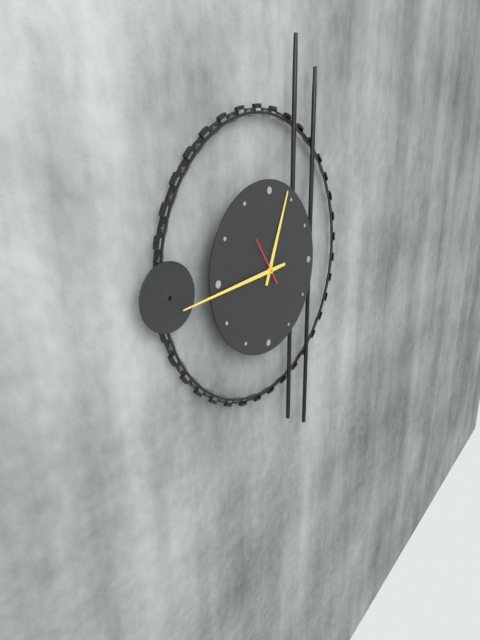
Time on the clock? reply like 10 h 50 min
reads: 12 h 44 min
